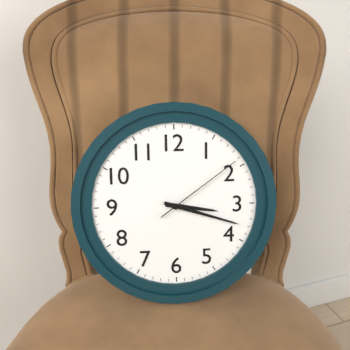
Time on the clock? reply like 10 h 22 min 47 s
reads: 3 h 18 min 09 s
